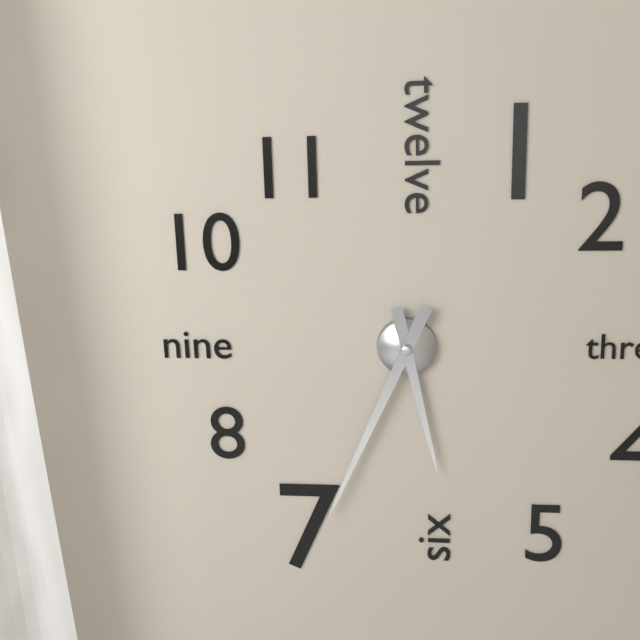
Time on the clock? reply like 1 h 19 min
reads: 5 h 34 min
